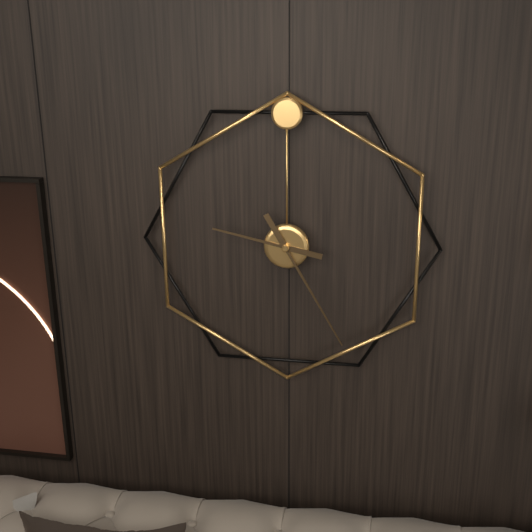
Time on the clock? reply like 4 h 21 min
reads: 9 h 25 min
